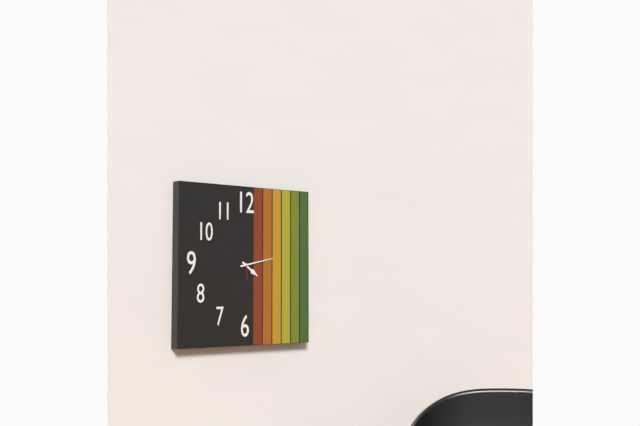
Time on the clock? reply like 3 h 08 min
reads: 4 h 13 min
